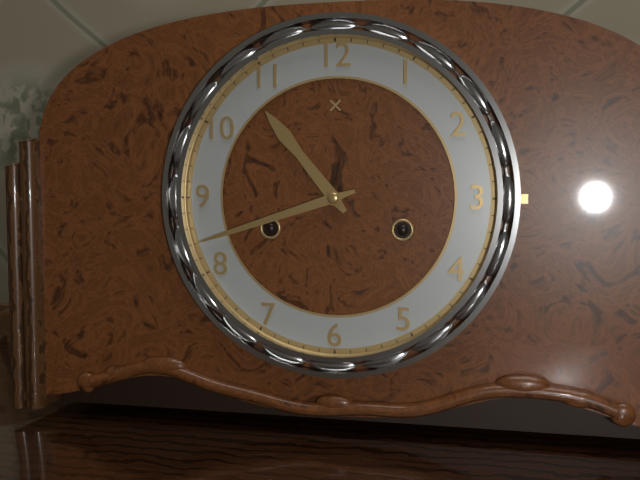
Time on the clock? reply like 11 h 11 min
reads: 10 h 42 min
